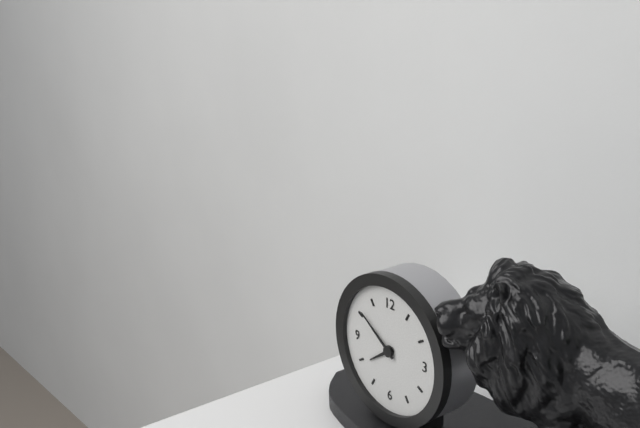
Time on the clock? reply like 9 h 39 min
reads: 7 h 51 min
